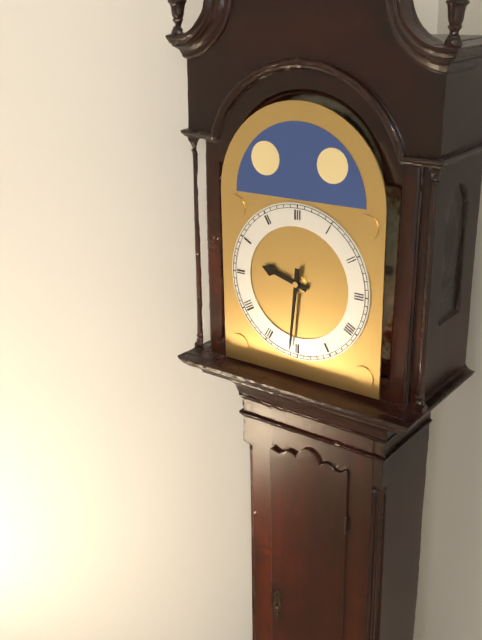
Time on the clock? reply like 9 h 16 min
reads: 9 h 31 min
